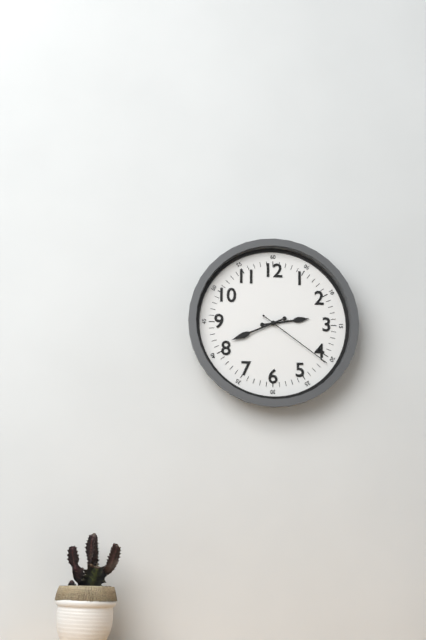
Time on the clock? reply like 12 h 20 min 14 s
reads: 2 h 41 min 21 s
